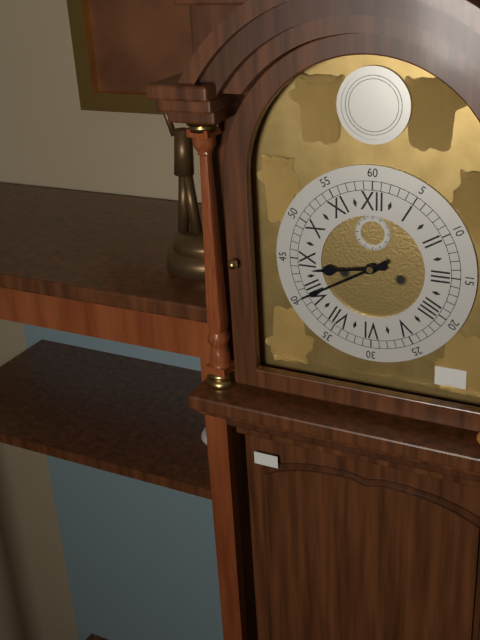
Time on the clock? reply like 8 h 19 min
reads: 8 h 40 min
